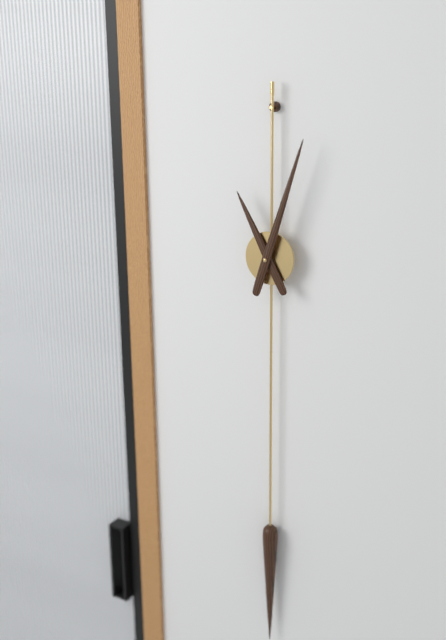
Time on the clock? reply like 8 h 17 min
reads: 11 h 03 min
